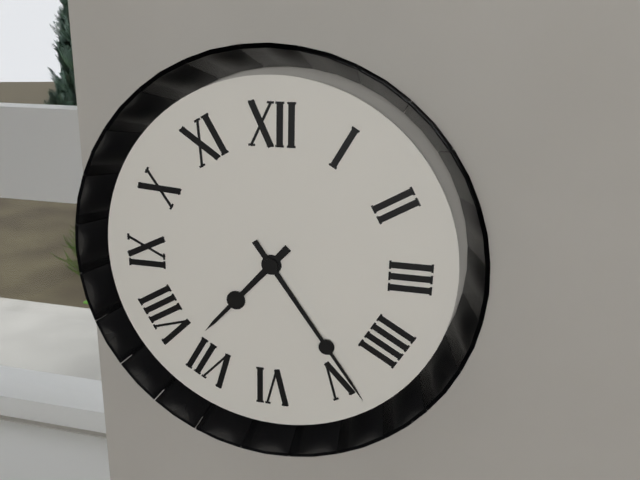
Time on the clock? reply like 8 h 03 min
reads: 7 h 24 min
